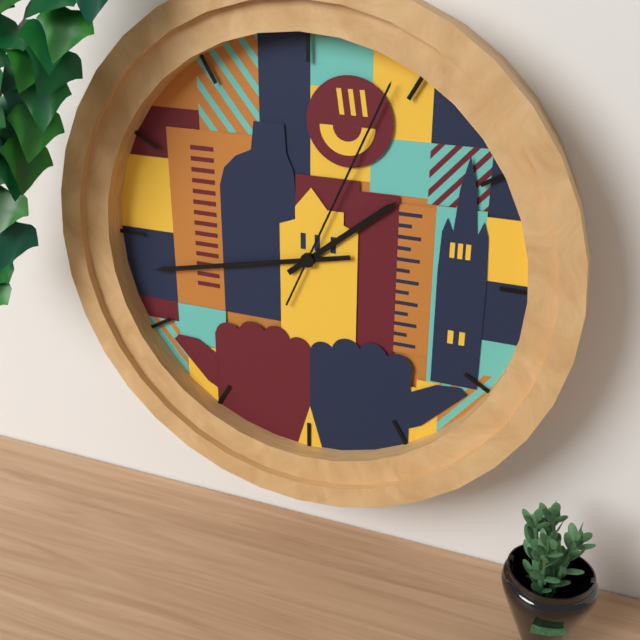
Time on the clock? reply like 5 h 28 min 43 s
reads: 1 h 43 min 04 s
